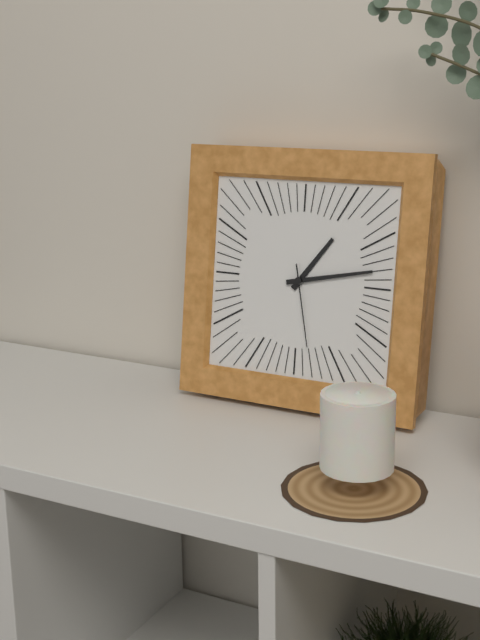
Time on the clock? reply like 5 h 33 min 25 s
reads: 1 h 13 min 28 s
